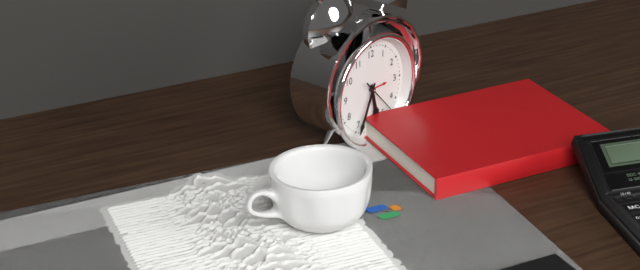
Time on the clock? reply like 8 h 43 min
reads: 5 h 34 min
